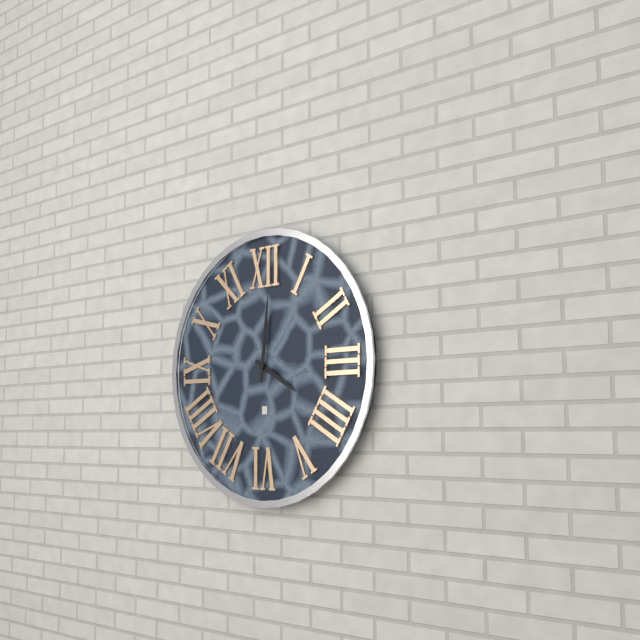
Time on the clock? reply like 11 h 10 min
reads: 4 h 01 min
